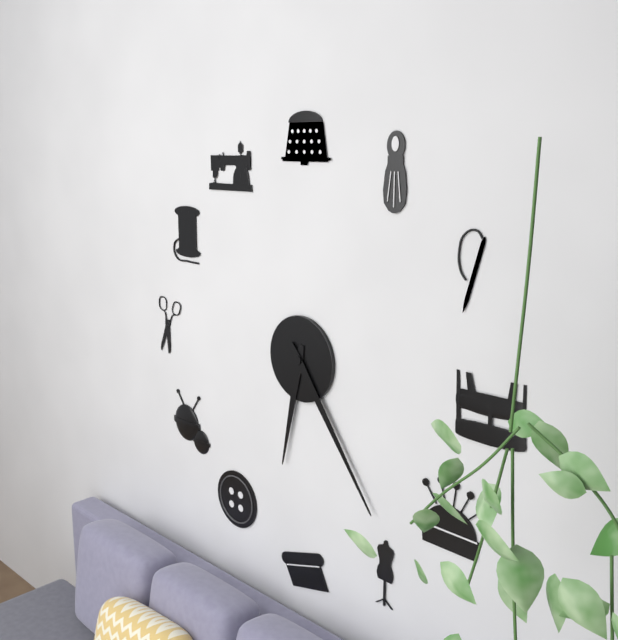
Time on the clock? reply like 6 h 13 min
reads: 6 h 24 min
